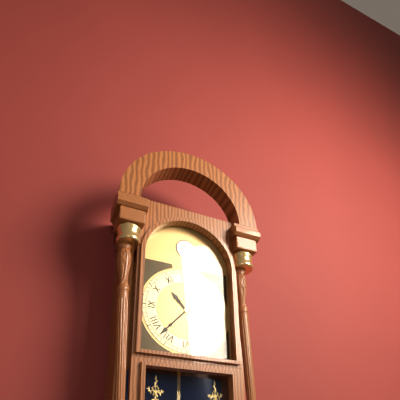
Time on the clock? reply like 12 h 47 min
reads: 10 h 37 min
